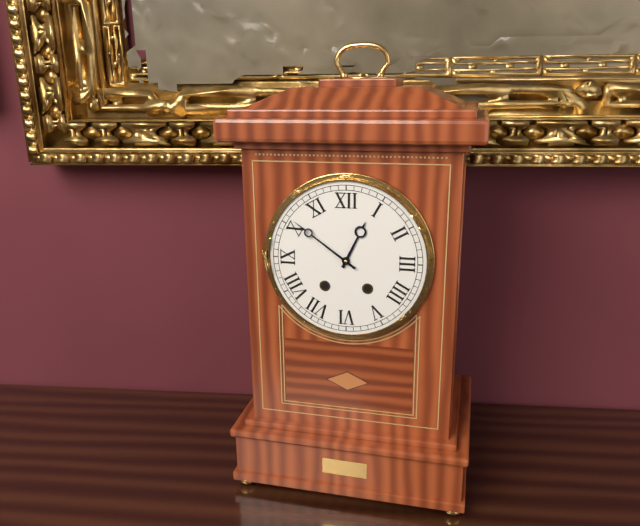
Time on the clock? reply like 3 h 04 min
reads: 12 h 51 min
